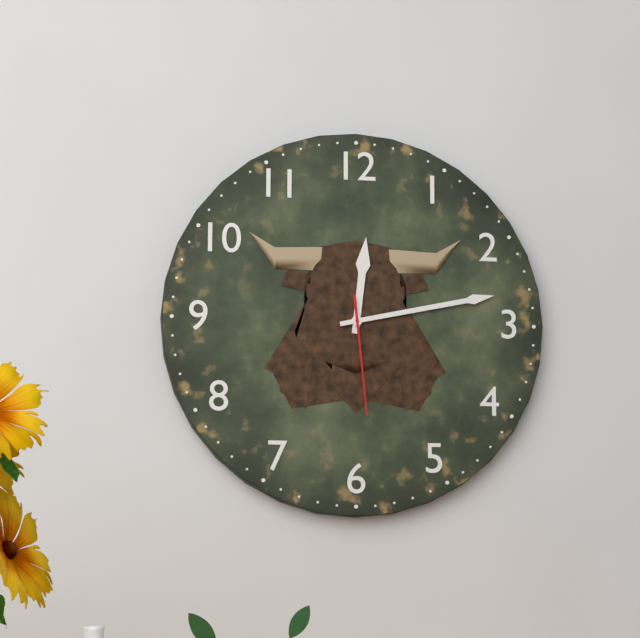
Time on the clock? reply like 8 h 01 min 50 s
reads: 12 h 13 min 29 s
